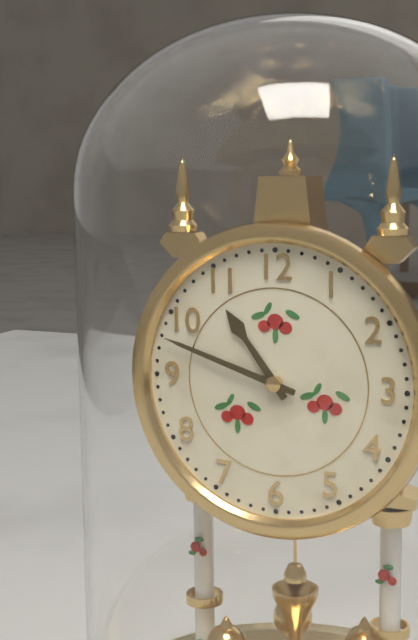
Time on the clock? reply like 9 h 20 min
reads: 10 h 48 min
